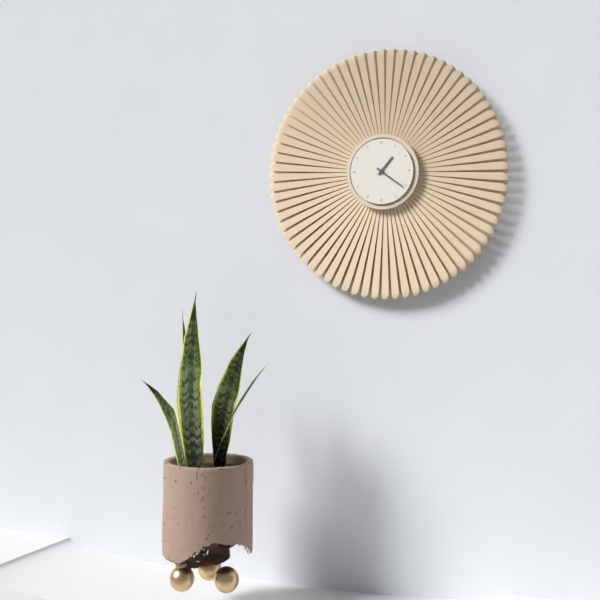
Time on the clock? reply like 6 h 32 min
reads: 1 h 21 min
